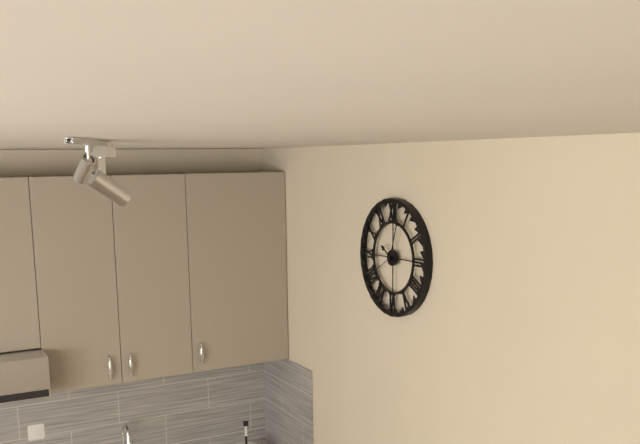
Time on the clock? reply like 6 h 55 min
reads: 10 h 03 min
